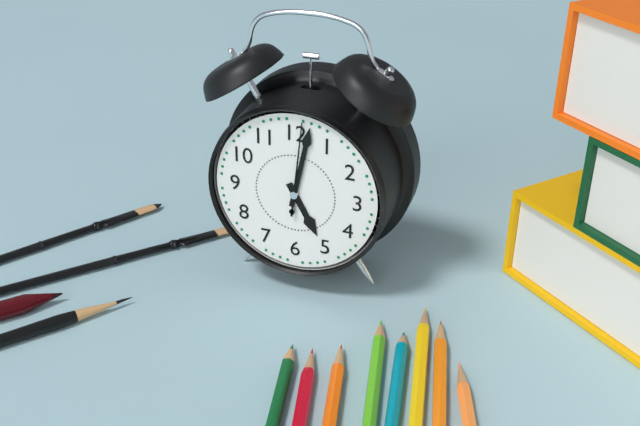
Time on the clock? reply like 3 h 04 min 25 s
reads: 5 h 02 min 01 s
